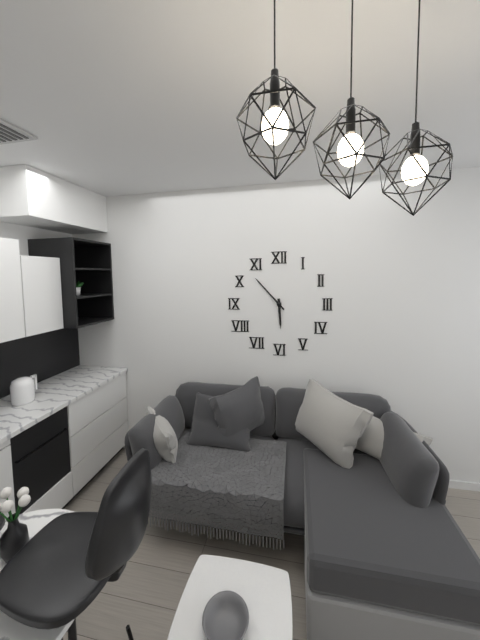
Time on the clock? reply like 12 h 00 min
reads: 5 h 53 min
